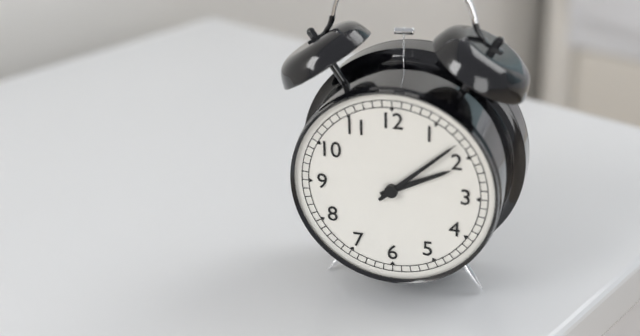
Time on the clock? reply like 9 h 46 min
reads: 2 h 08 min
